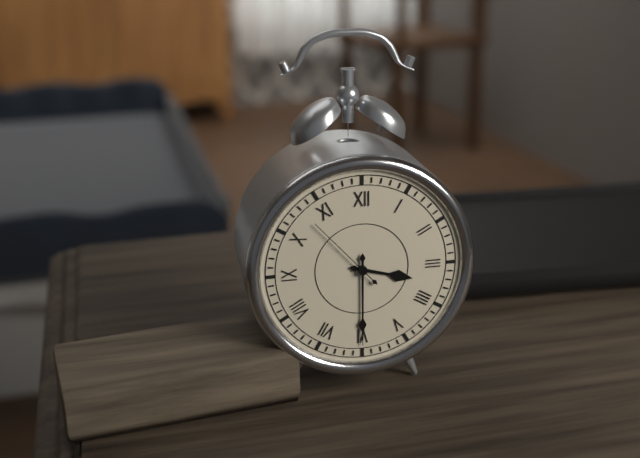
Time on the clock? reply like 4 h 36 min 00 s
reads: 3 h 30 min 53 s
